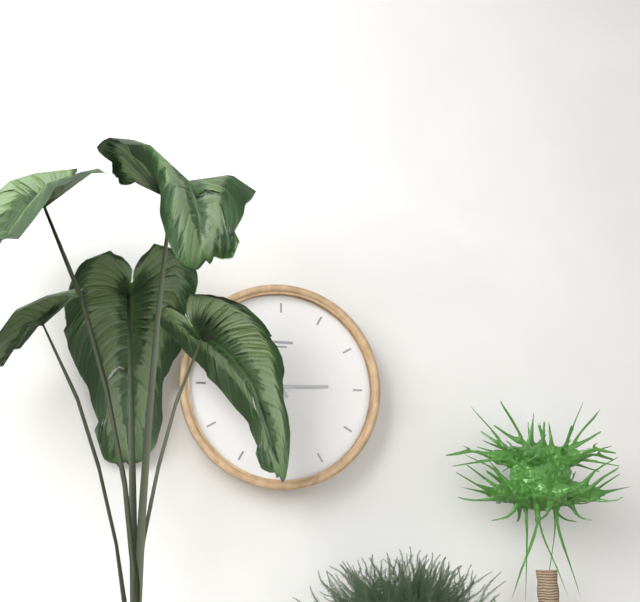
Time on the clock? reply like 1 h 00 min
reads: 2 h 55 min
